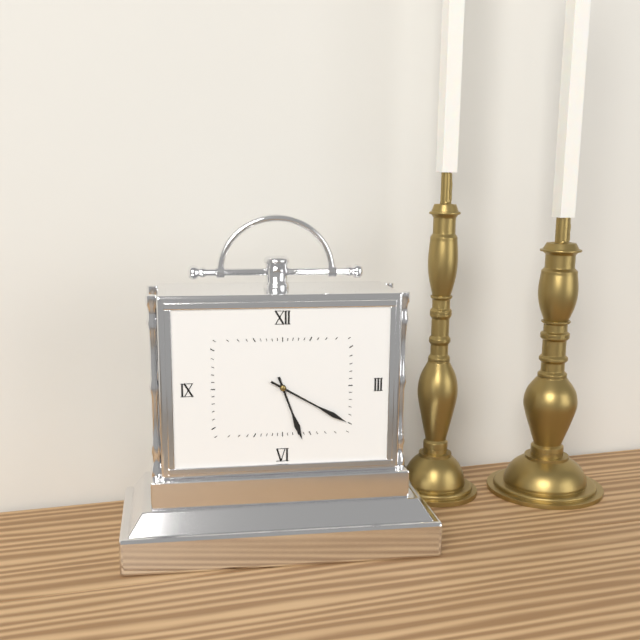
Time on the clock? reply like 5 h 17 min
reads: 5 h 20 min
